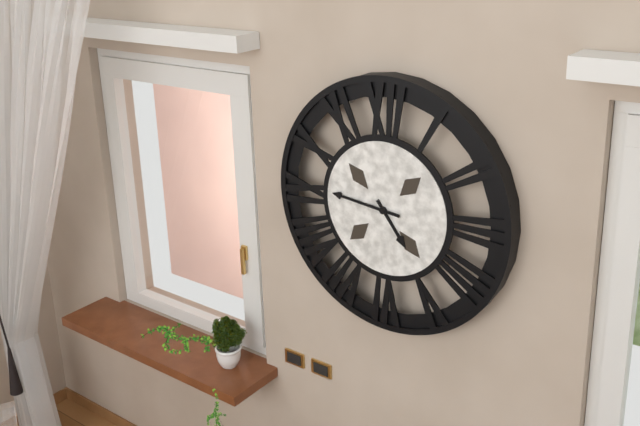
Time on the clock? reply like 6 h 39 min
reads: 4 h 46 min
